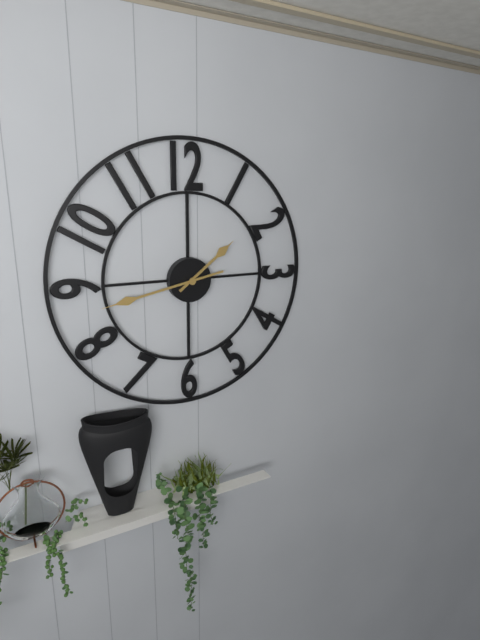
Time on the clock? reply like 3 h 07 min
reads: 1 h 43 min
